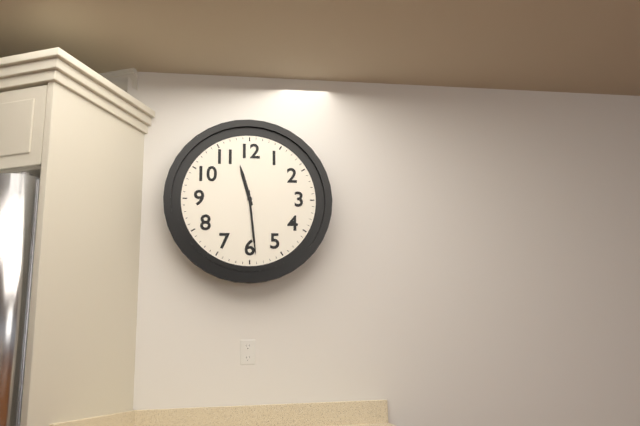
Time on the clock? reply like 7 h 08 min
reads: 11 h 29 min
